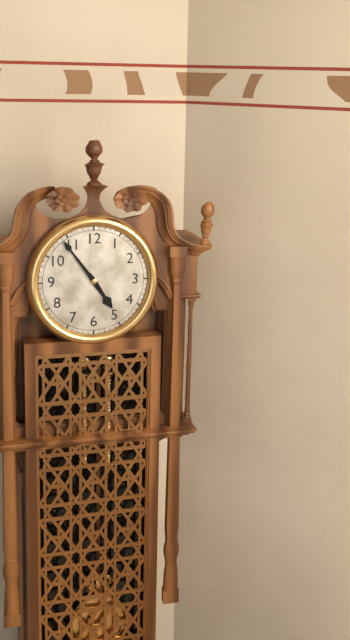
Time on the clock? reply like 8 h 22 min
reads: 4 h 54 min
